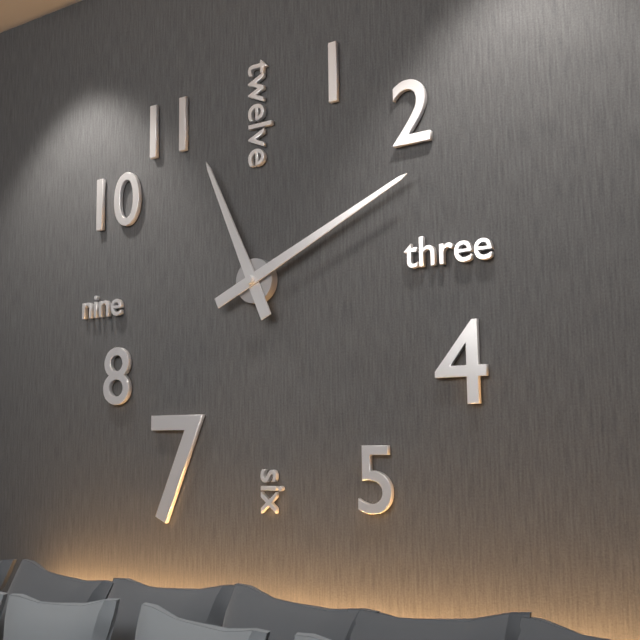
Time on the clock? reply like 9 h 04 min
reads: 11 h 11 min
